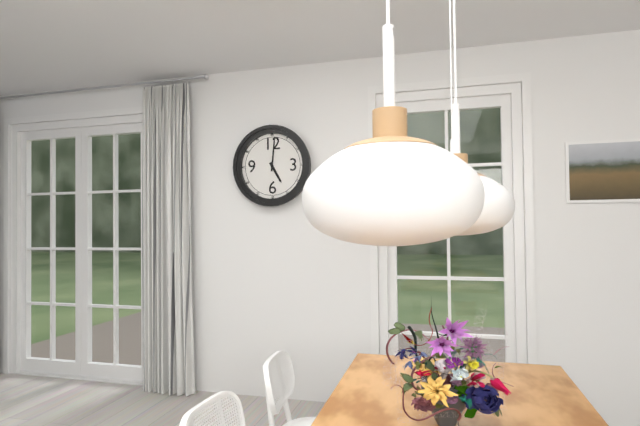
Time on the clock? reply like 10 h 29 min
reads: 5 h 01 min
